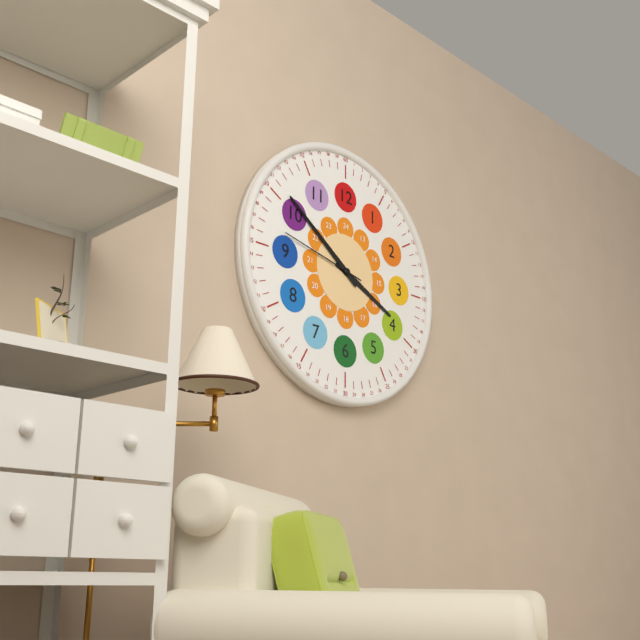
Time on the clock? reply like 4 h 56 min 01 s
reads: 3 h 51 min 47 s
